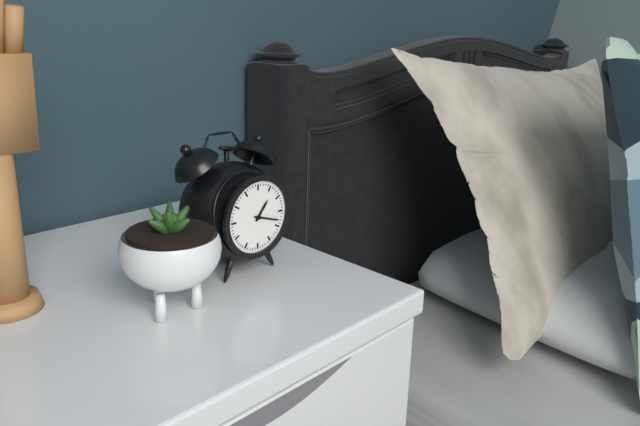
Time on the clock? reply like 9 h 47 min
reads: 1 h 18 min
